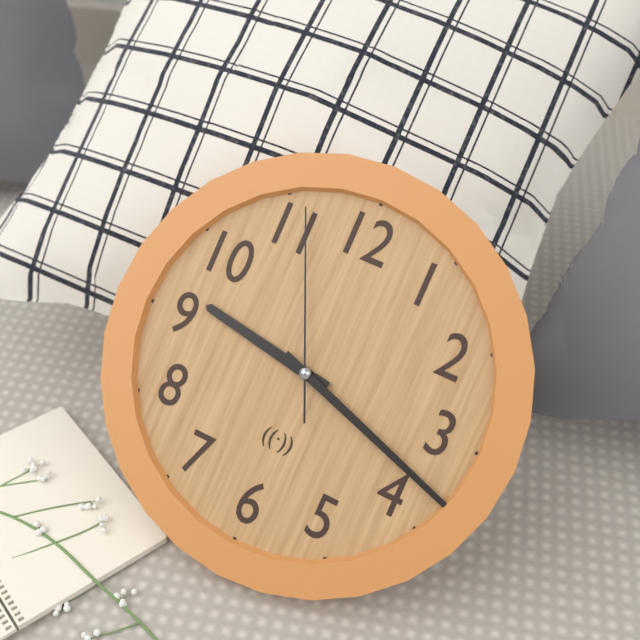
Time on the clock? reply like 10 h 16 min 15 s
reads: 9 h 18 min 56 s
